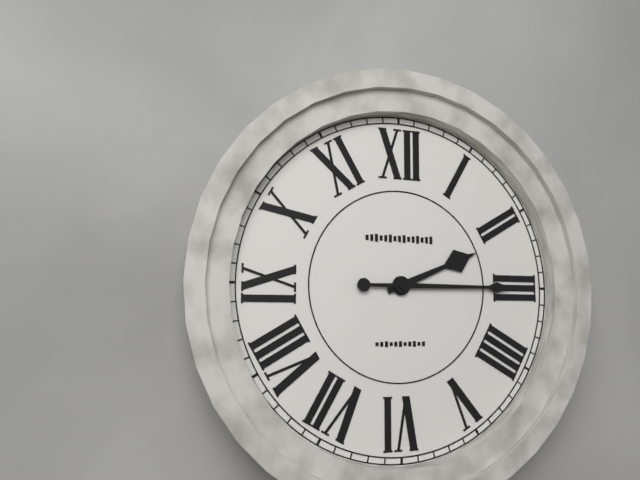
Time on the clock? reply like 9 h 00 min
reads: 2 h 15 min
